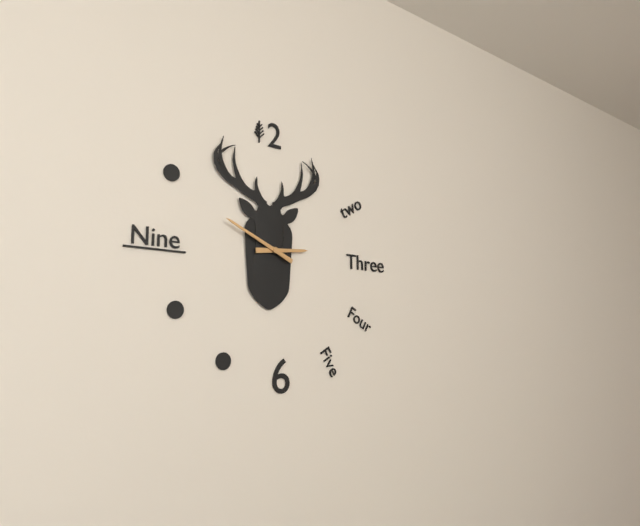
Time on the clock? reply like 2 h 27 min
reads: 2 h 49 min
